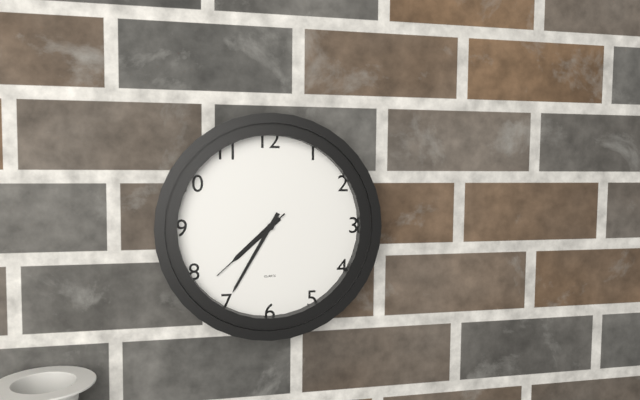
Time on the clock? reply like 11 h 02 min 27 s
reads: 7 h 35 min 38 s
